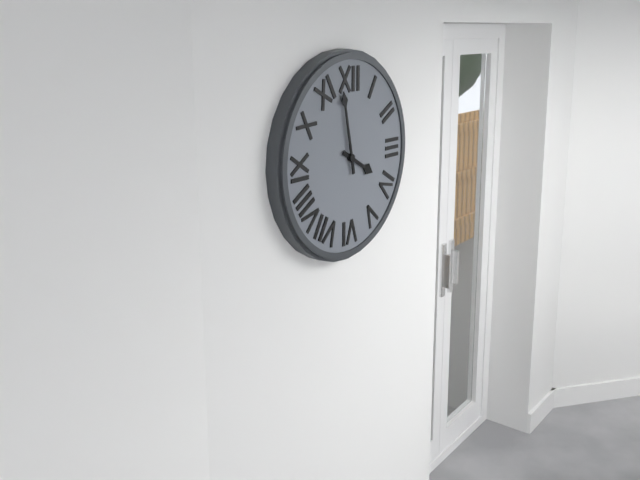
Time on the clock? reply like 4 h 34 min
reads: 3 h 58 min
